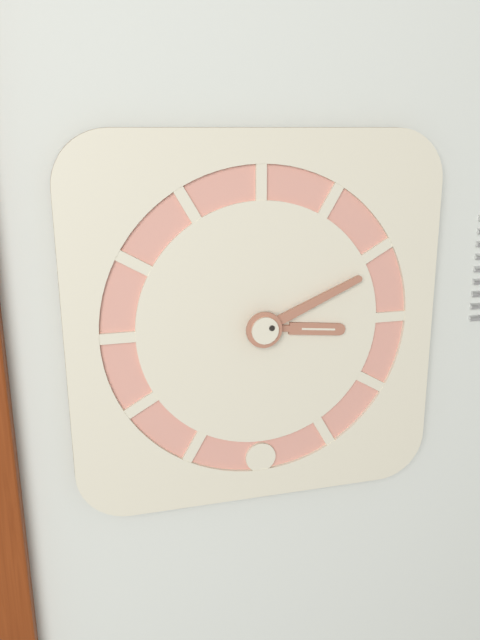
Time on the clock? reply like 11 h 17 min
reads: 3 h 11 min
